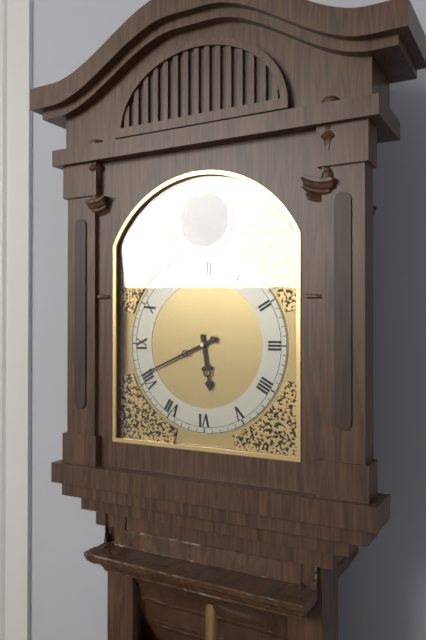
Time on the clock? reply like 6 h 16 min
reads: 5 h 41 min
